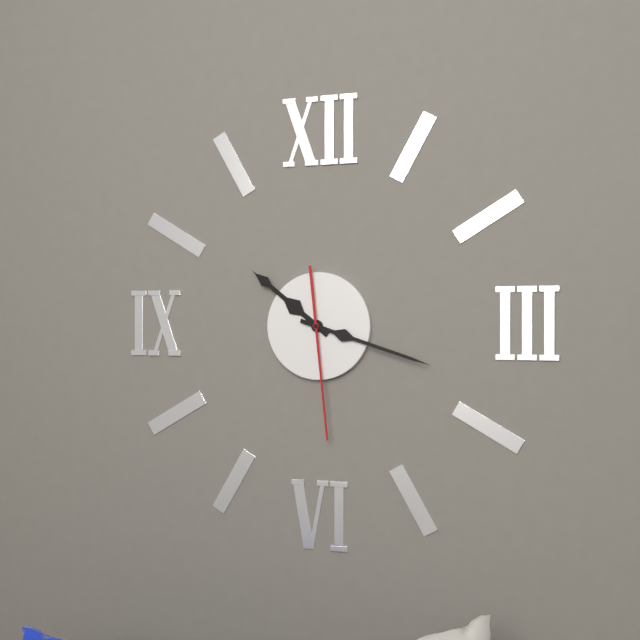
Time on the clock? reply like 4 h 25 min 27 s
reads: 10 h 18 min 29 s
